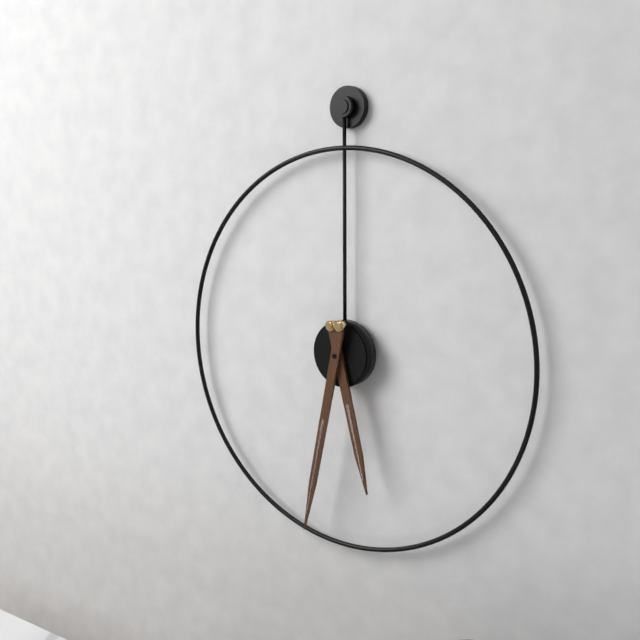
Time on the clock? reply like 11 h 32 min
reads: 5 h 32 min
